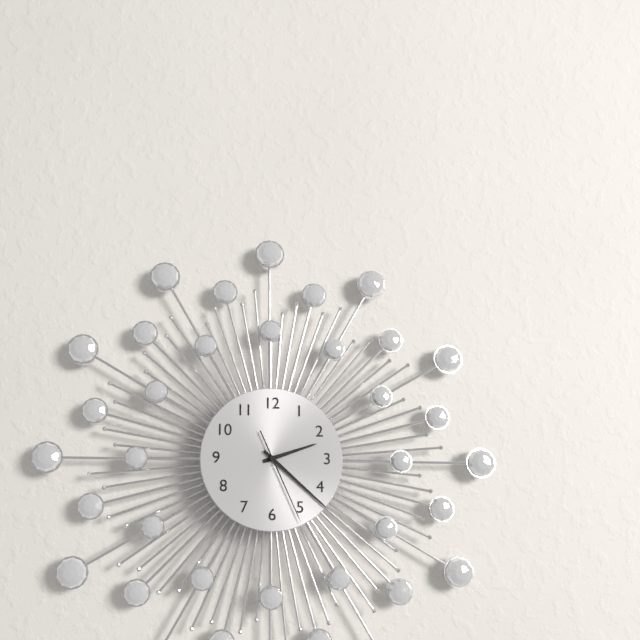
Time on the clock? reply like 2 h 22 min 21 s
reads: 2 h 22 min 26 s
